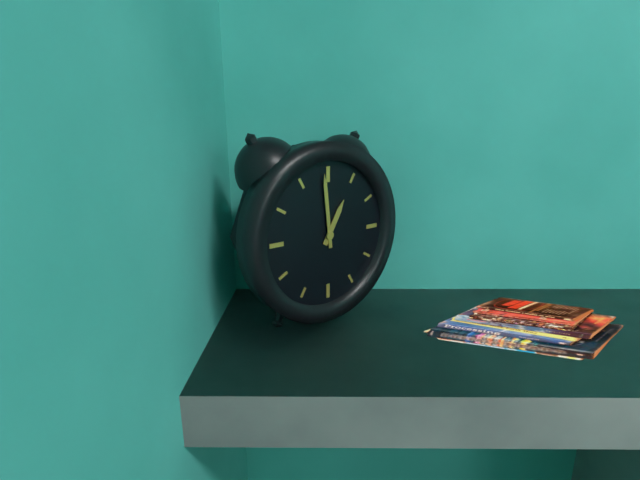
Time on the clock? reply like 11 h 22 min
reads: 12 h 59 min
